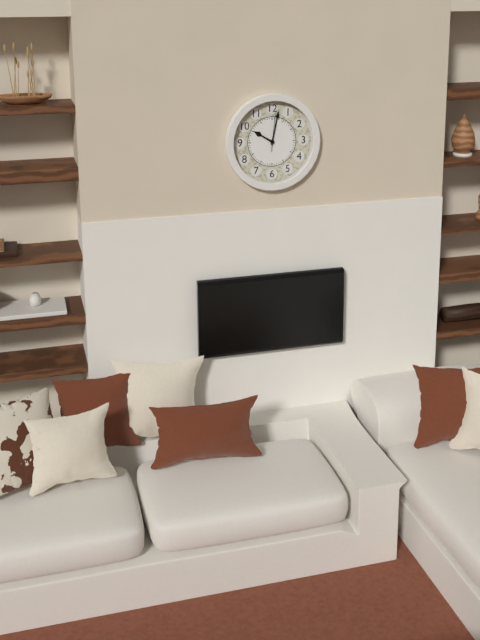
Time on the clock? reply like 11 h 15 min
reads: 10 h 02 min
